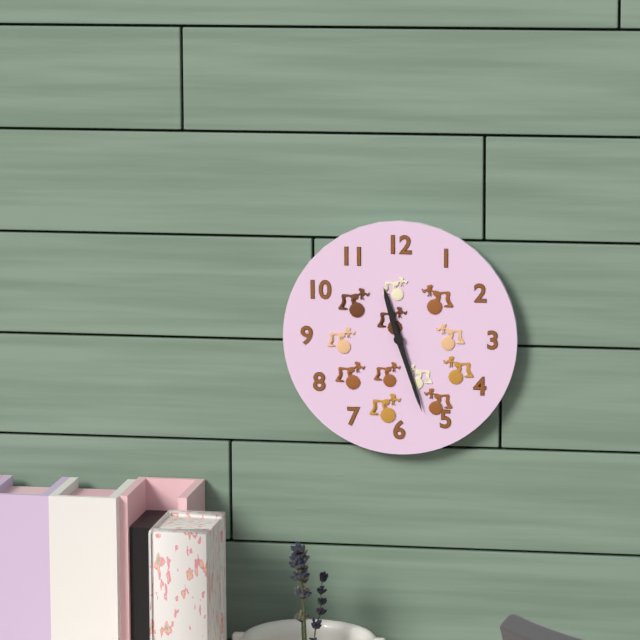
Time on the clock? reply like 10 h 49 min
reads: 11 h 27 min
